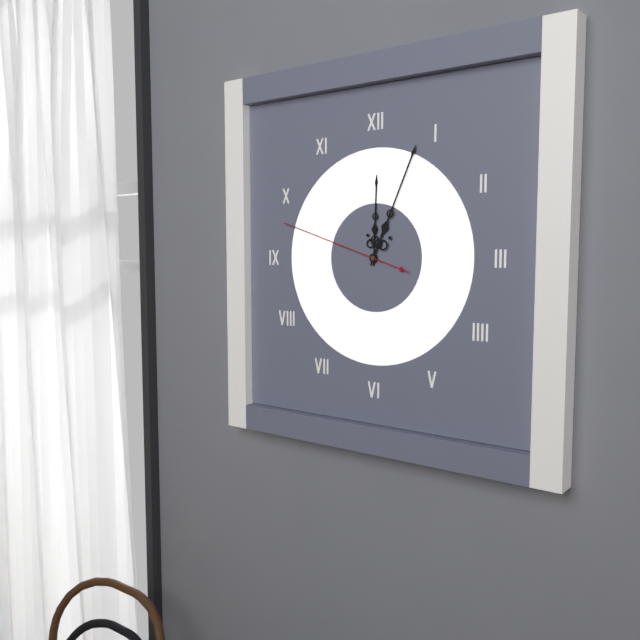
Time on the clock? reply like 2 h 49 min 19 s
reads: 12 h 04 min 48 s
